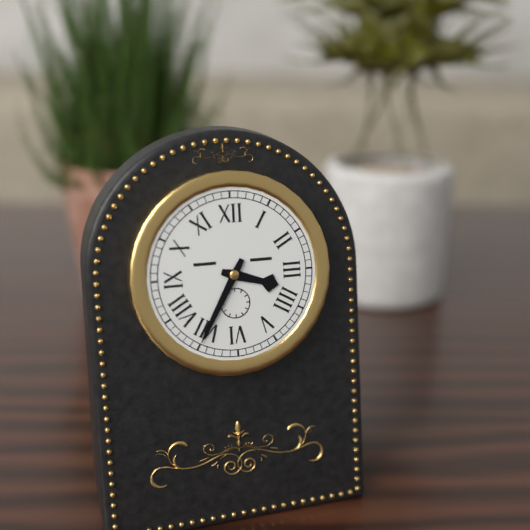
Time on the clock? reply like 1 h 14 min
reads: 3 h 35 min
